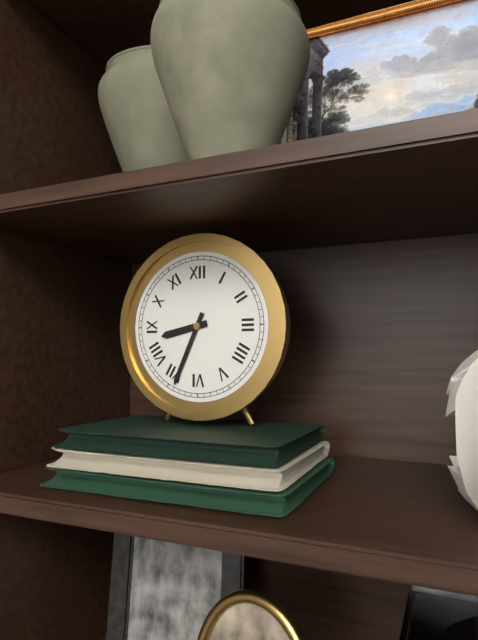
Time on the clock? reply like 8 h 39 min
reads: 8 h 34 min
